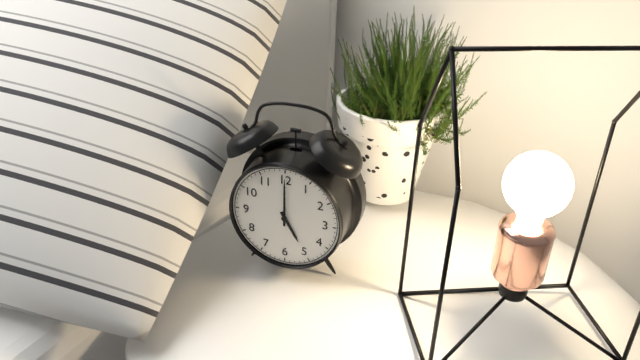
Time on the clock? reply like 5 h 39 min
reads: 5 h 00 min
